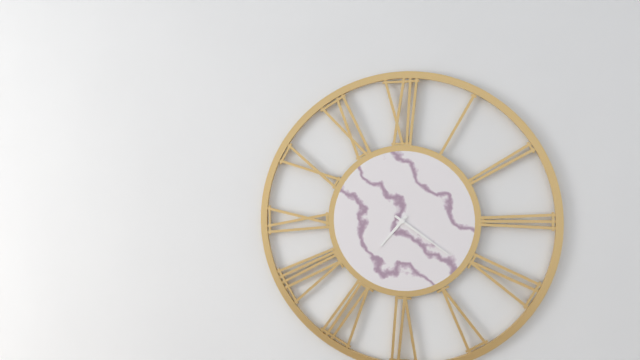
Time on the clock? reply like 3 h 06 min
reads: 7 h 21 min
